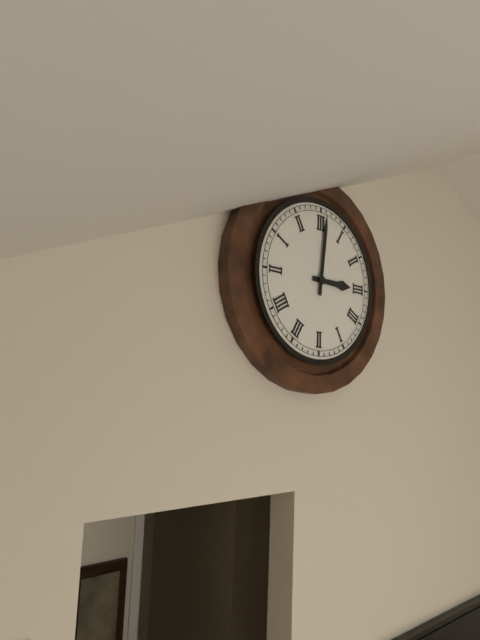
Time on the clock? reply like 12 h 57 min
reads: 3 h 01 min
